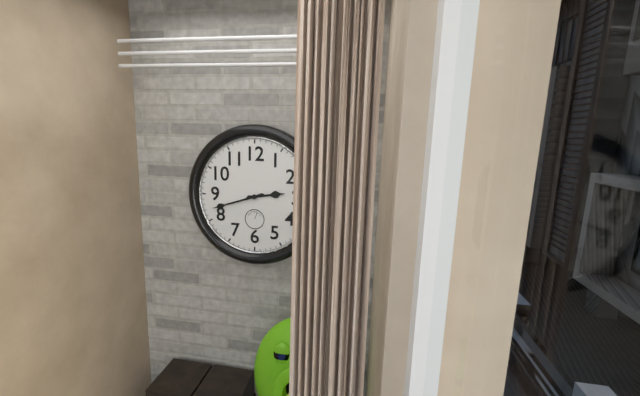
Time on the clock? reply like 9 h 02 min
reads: 2 h 42 min
